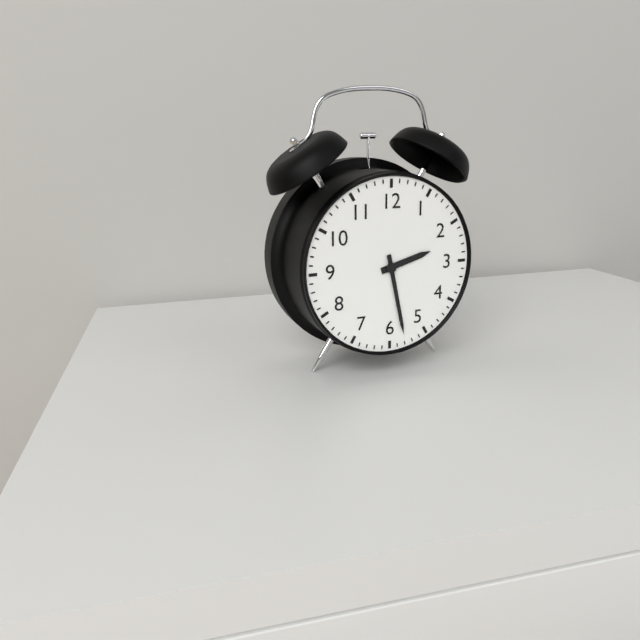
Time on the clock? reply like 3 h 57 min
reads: 2 h 28 min
